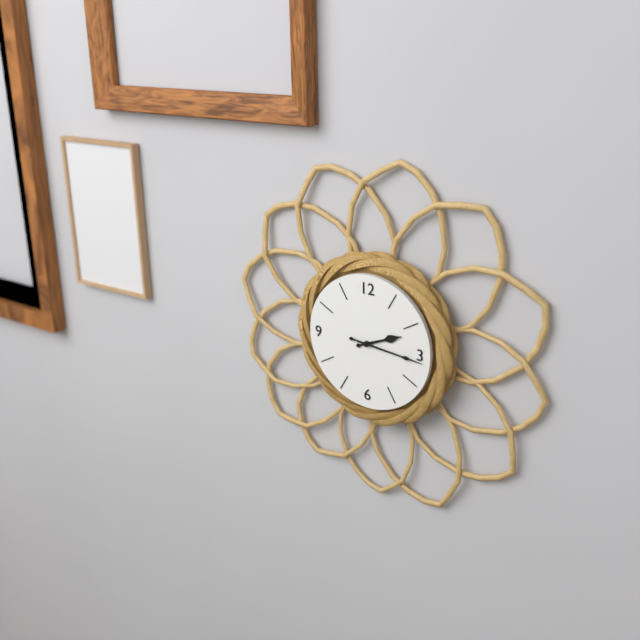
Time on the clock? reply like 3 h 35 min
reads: 2 h 16 min
